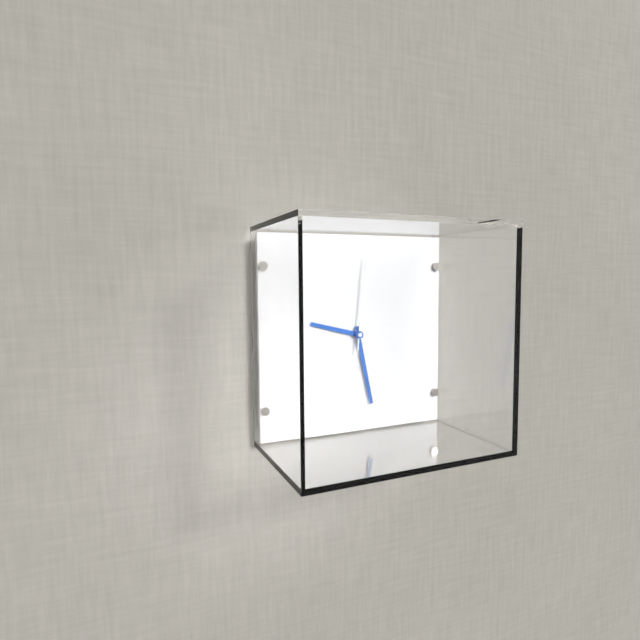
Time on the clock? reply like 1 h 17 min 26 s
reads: 9 h 28 min 01 s
